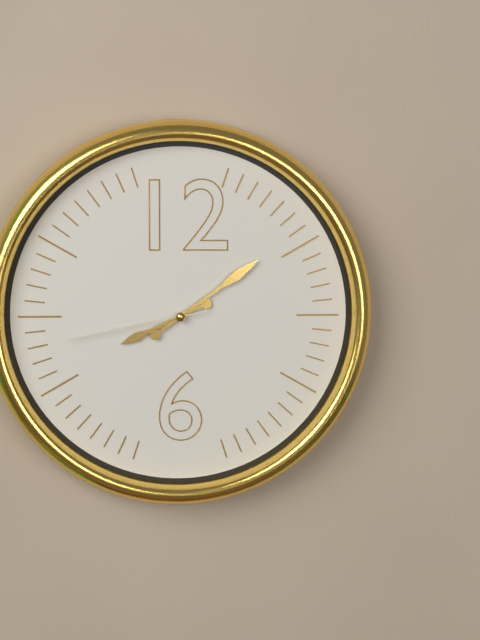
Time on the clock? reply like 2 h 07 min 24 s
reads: 8 h 09 min 43 s
